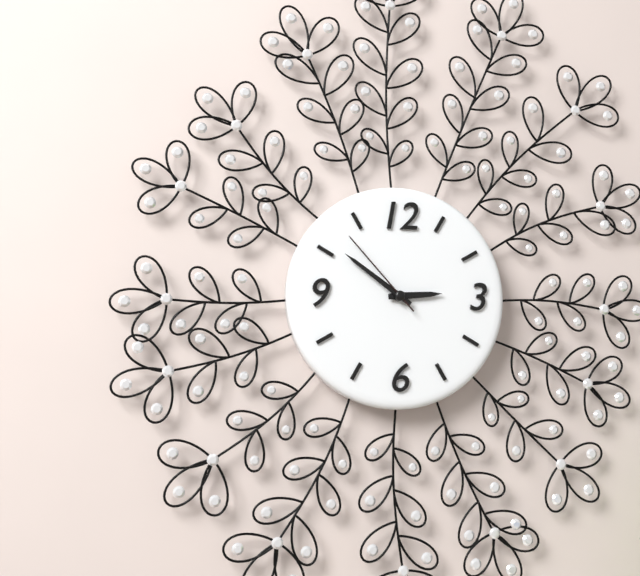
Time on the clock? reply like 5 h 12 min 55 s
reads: 2 h 51 min 53 s
